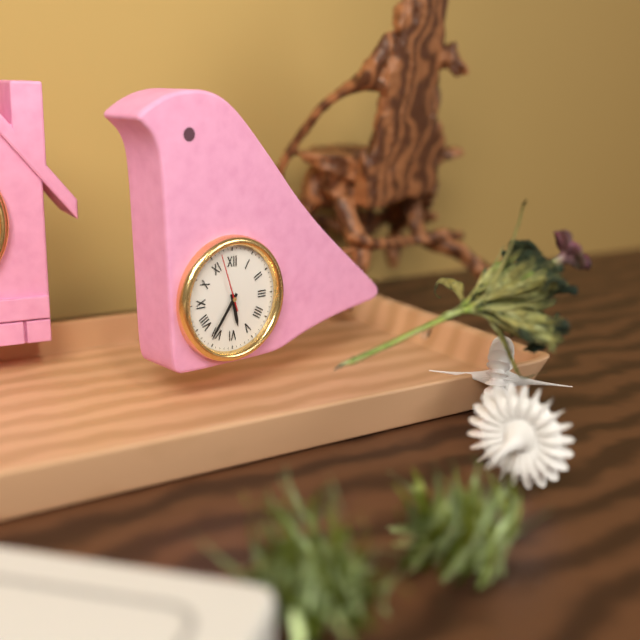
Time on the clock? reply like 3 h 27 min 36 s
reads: 5 h 36 min 57 s
